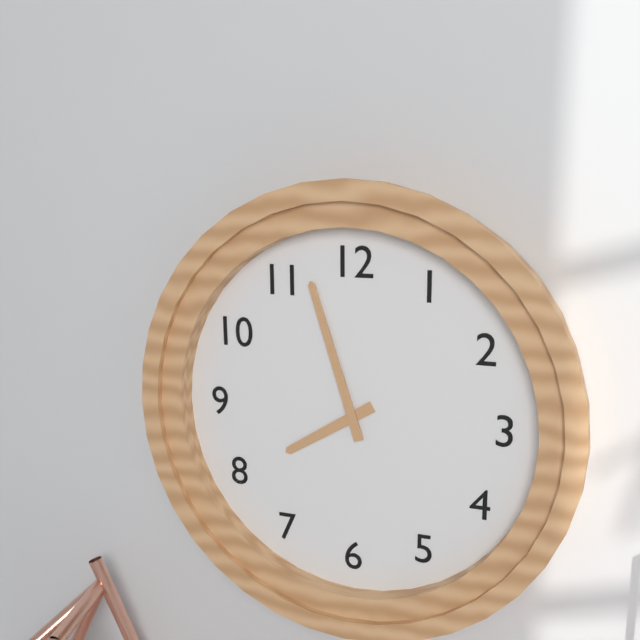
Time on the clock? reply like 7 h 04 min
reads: 7 h 57 min
